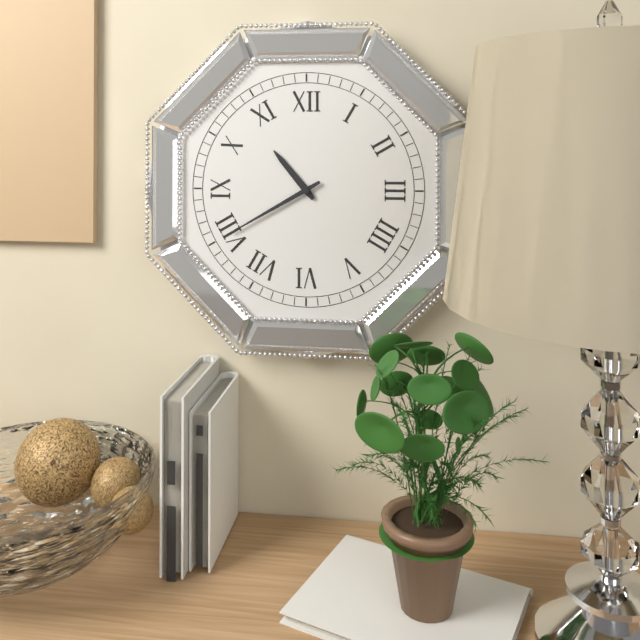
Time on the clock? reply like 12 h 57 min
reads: 10 h 40 min
